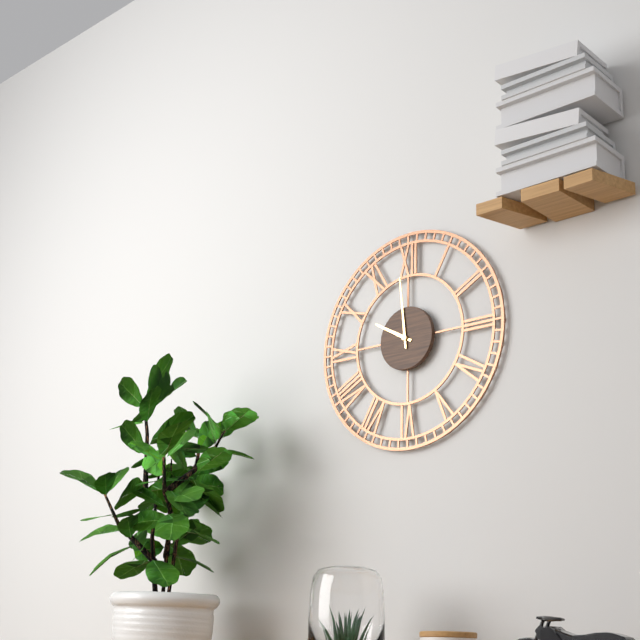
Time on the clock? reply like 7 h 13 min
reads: 9 h 59 min
